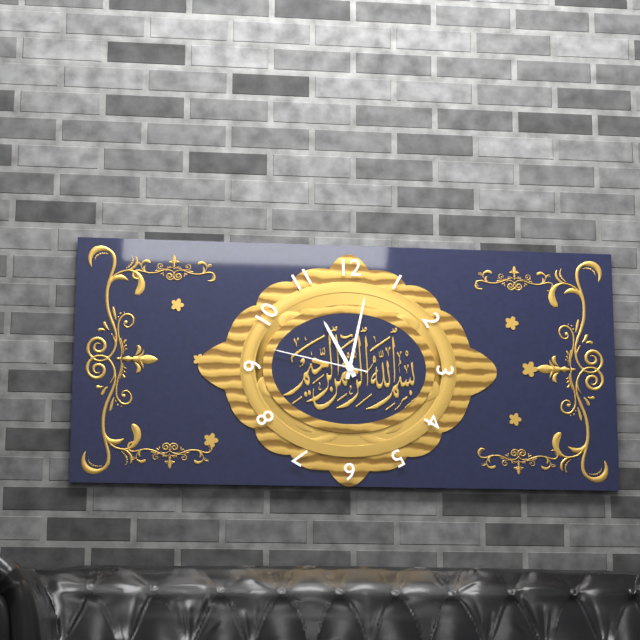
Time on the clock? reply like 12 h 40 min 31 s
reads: 11 h 02 min 47 s
